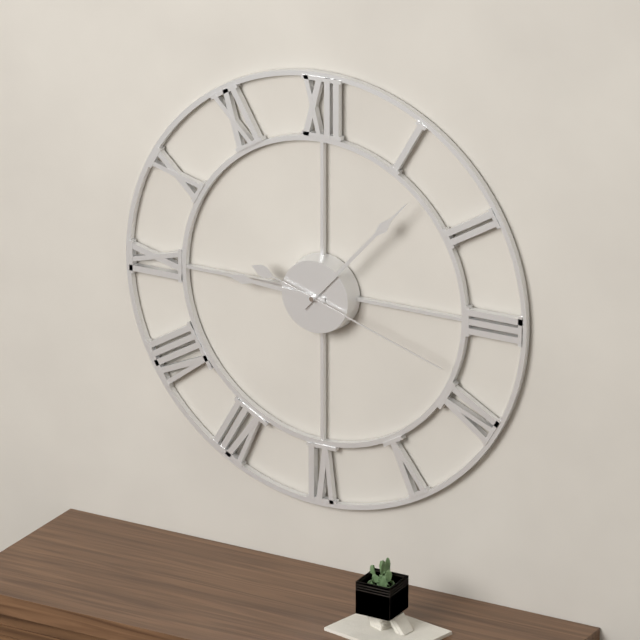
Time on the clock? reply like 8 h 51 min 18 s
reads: 9 h 07 min 18 s
